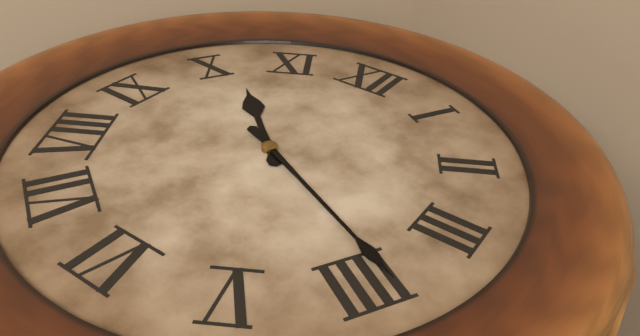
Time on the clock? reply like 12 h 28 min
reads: 10 h 19 min
